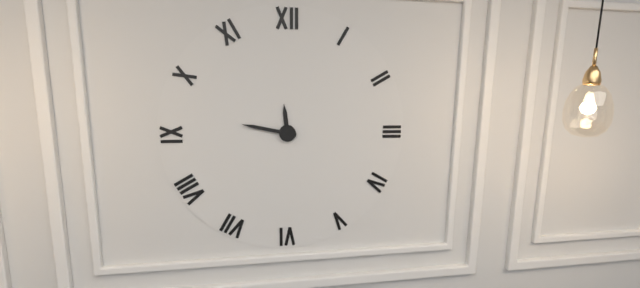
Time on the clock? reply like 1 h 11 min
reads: 11 h 47 min
